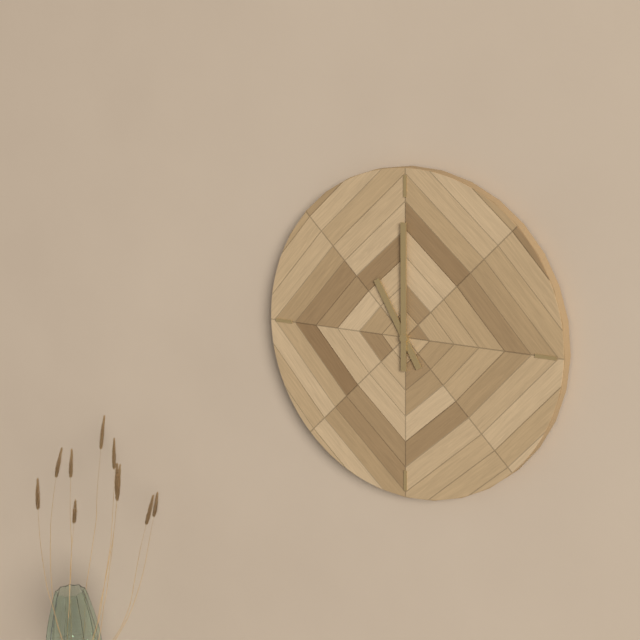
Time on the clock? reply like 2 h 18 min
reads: 11 h 00 min
